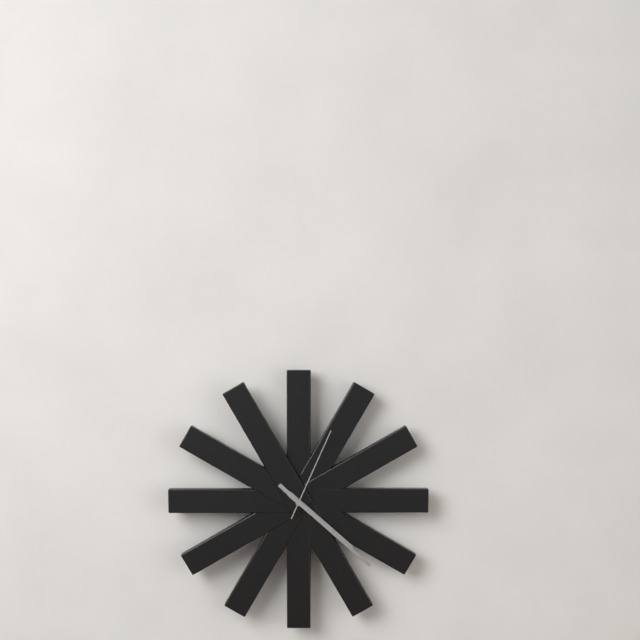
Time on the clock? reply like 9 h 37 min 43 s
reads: 4 h 22 min 04 s
